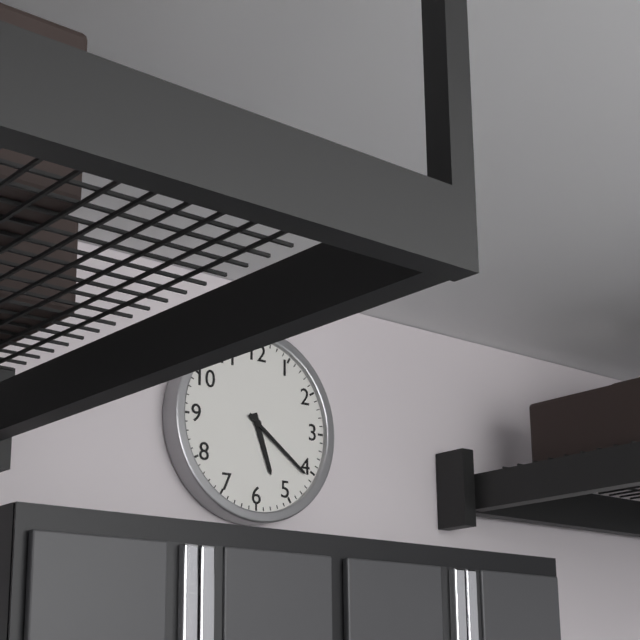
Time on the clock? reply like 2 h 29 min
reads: 5 h 21 min
